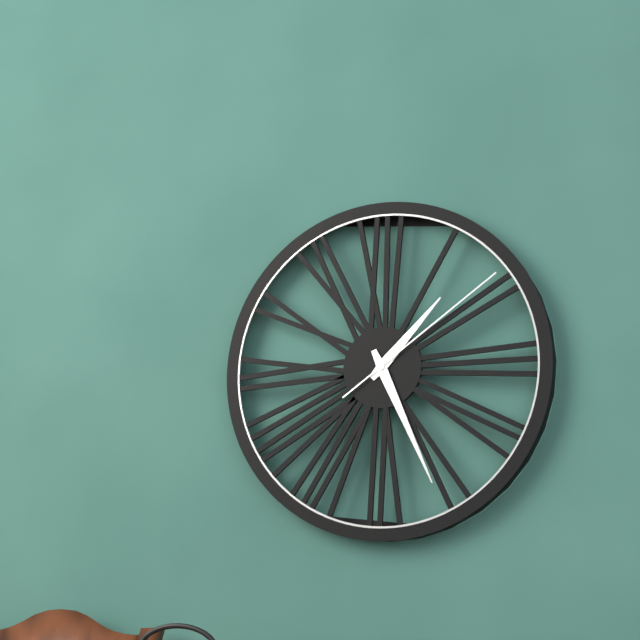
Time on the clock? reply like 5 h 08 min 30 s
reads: 1 h 26 min 09 s
